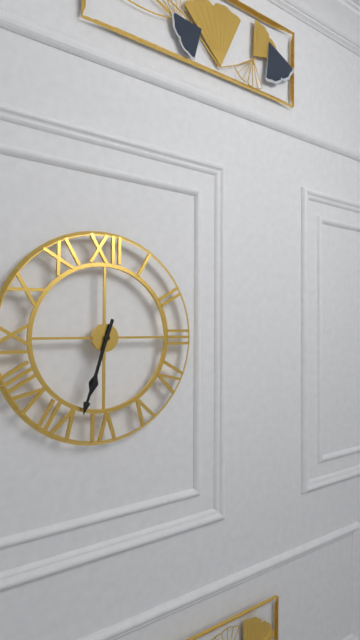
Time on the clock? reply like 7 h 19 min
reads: 6 h 33 min
